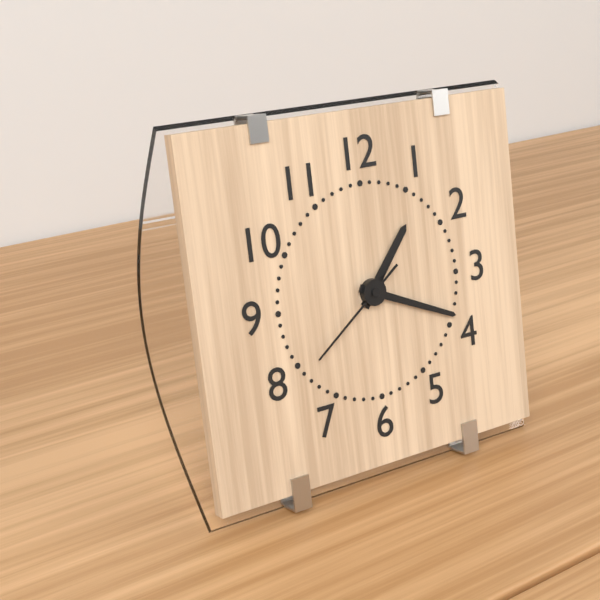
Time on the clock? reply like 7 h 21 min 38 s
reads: 1 h 19 min 39 s
